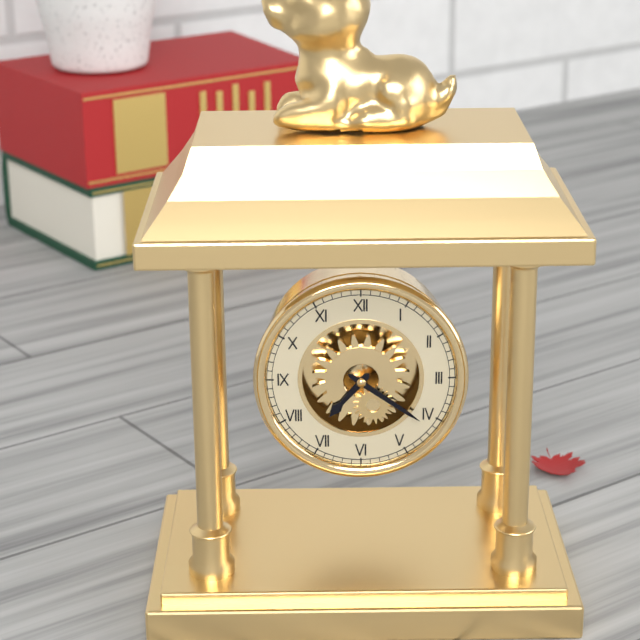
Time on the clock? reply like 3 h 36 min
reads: 7 h 21 min
